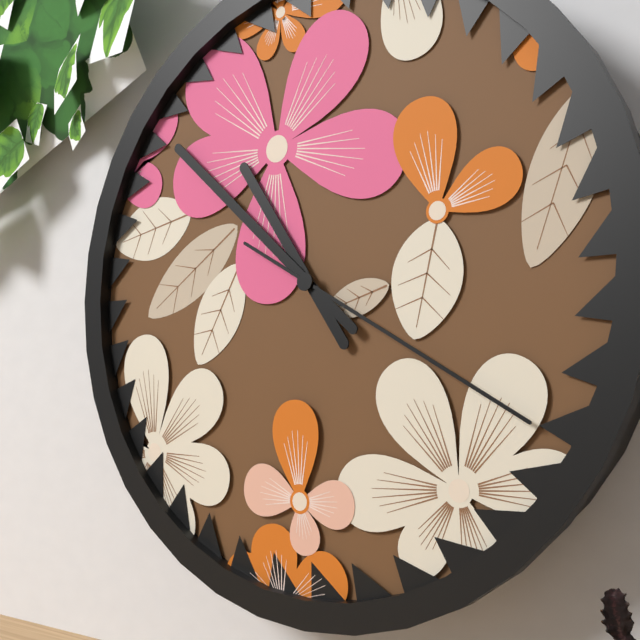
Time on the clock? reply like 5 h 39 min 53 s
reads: 10 h 52 min 20 s
